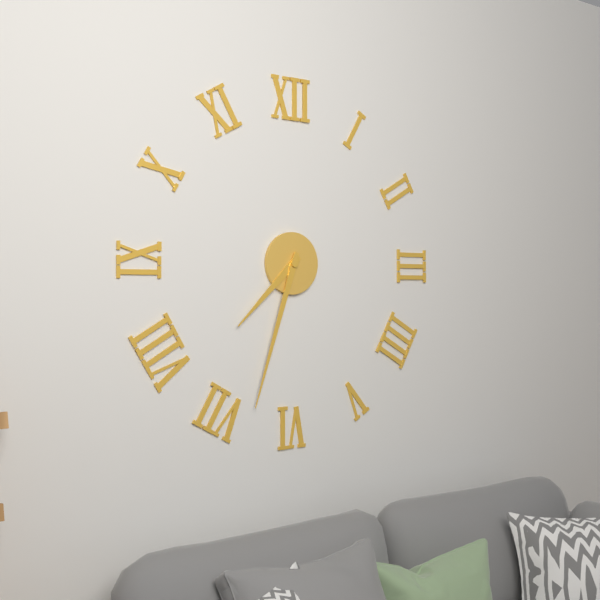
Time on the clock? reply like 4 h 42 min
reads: 7 h 33 min
